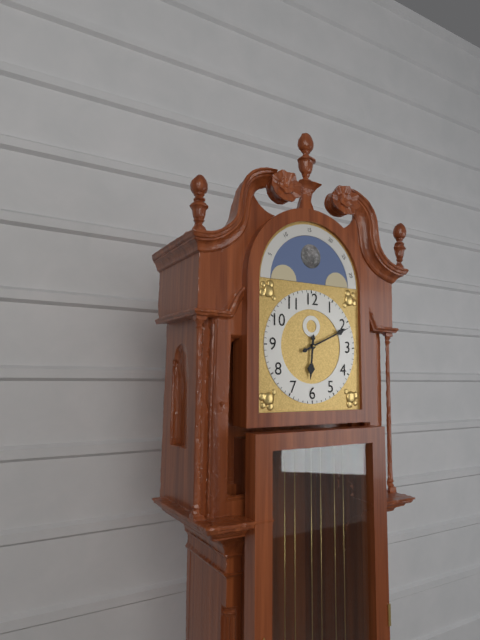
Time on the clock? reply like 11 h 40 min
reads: 6 h 11 min
